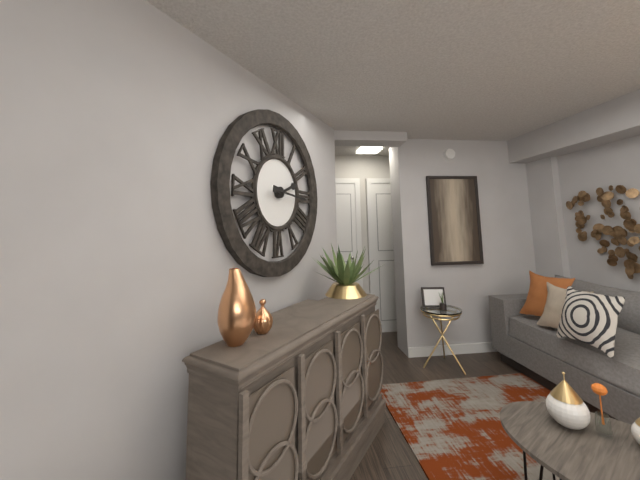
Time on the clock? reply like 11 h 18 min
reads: 2 h 16 min
